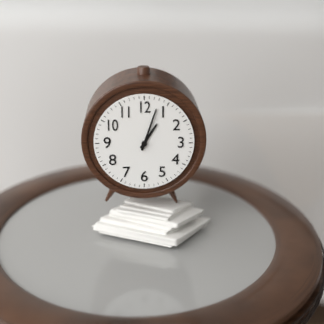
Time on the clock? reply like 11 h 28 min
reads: 1 h 03 min
